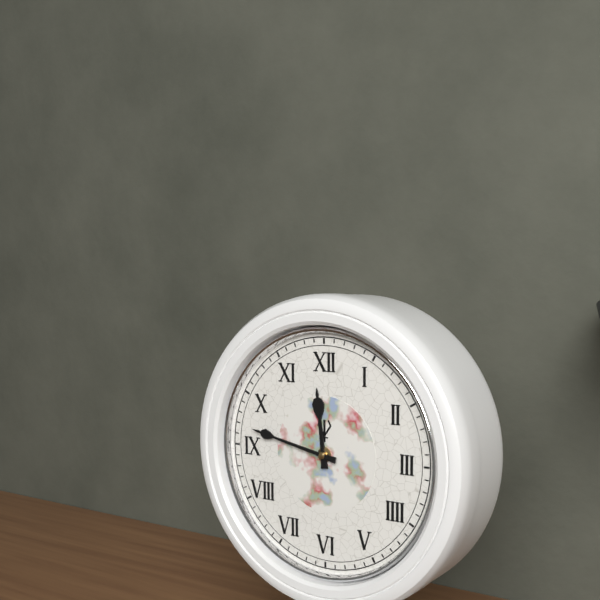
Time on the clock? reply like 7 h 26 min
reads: 11 h 47 min
